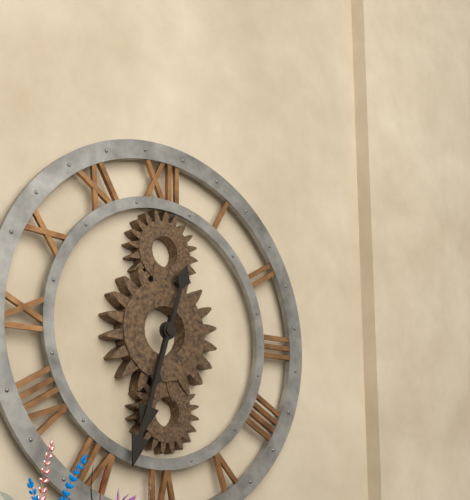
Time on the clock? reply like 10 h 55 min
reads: 6 h 33 min
